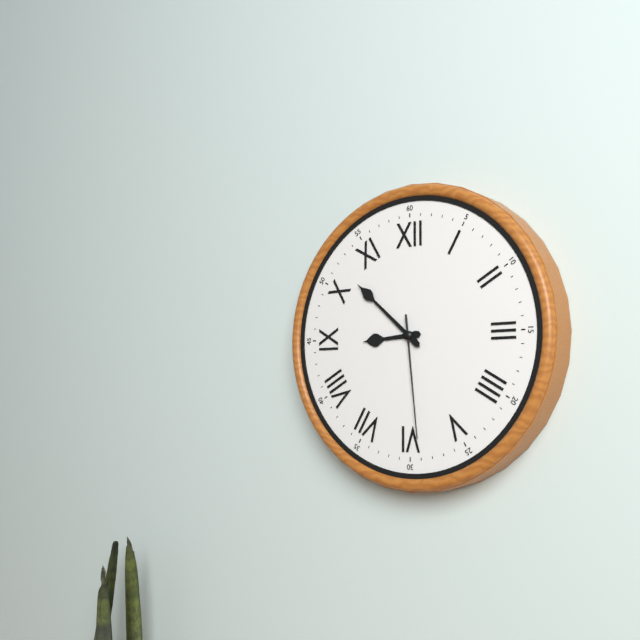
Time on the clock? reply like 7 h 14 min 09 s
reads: 8 h 52 min 29 s
